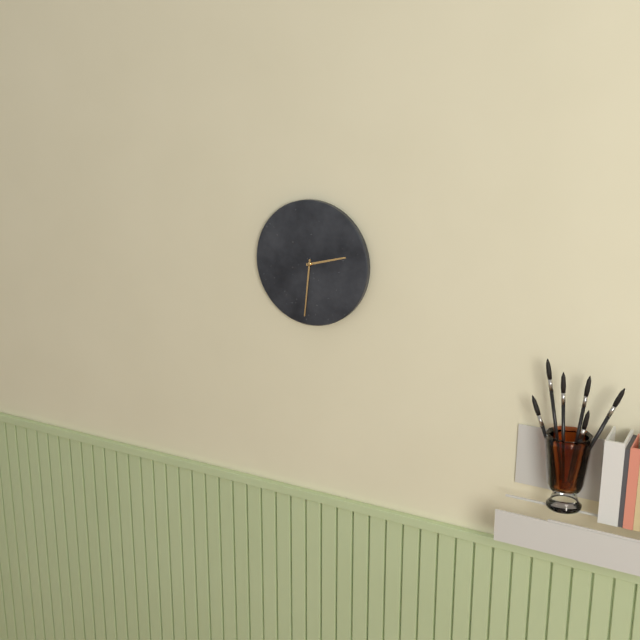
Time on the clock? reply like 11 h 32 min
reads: 2 h 31 min
